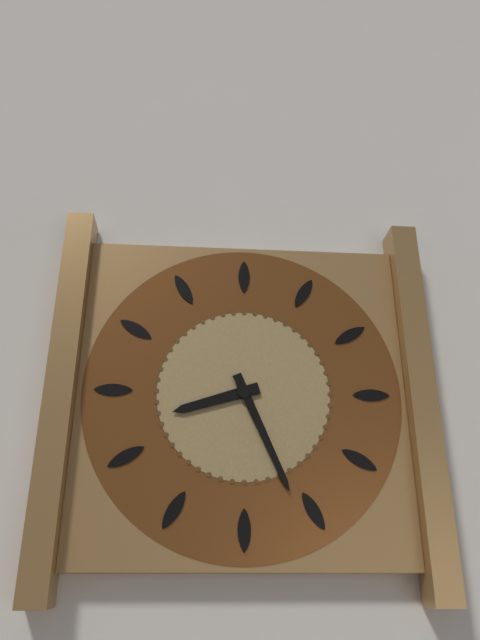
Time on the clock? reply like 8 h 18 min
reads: 8 h 26 min
